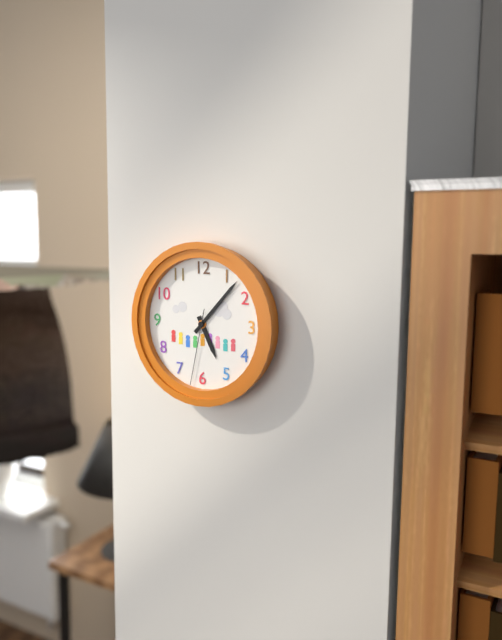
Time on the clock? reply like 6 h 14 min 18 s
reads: 5 h 07 min 32 s
